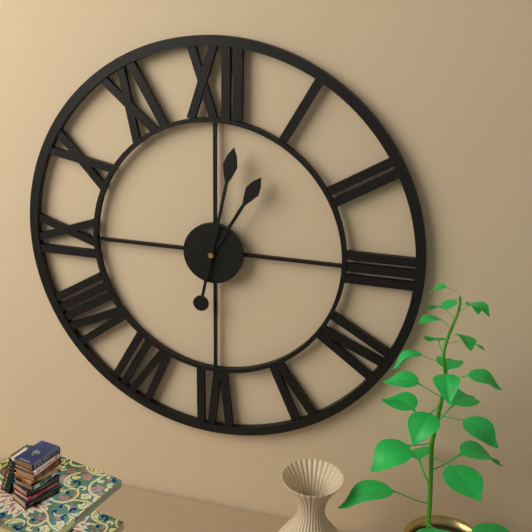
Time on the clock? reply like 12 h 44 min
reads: 1 h 02 min
